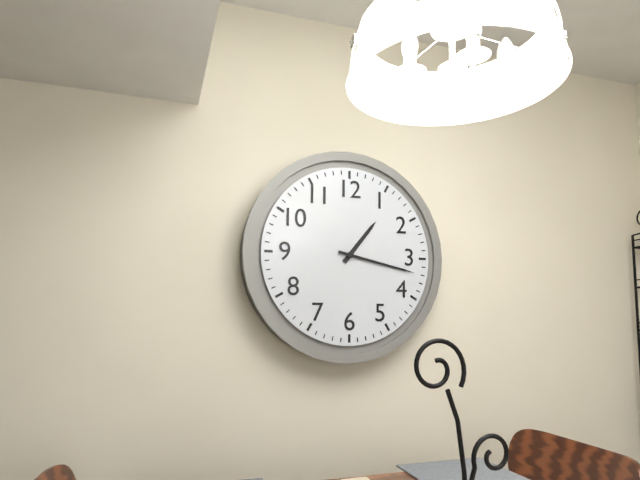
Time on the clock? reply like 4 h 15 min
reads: 1 h 17 min
